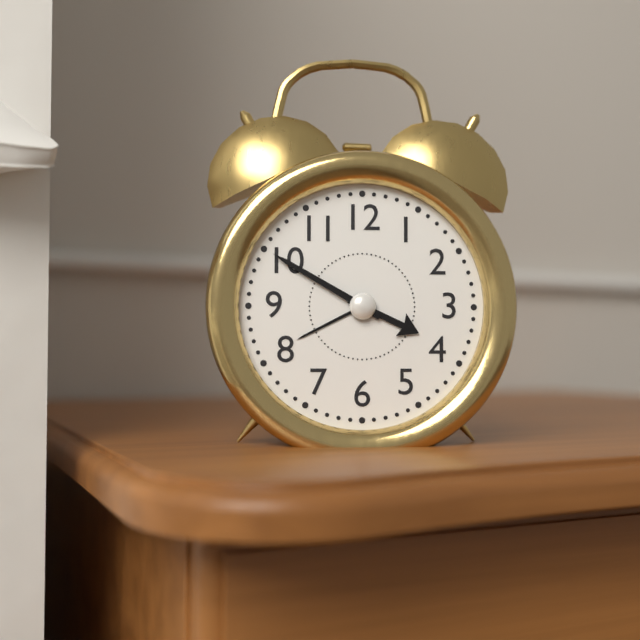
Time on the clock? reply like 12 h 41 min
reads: 3 h 50 min
